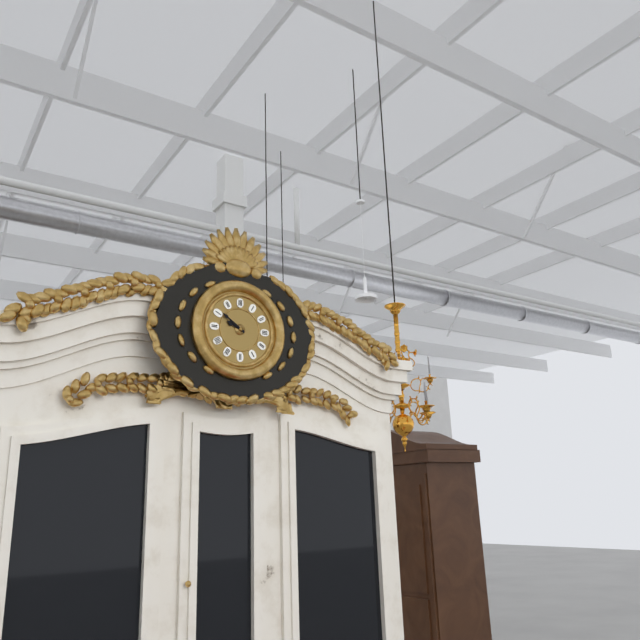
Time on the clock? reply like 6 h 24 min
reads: 9 h 51 min
